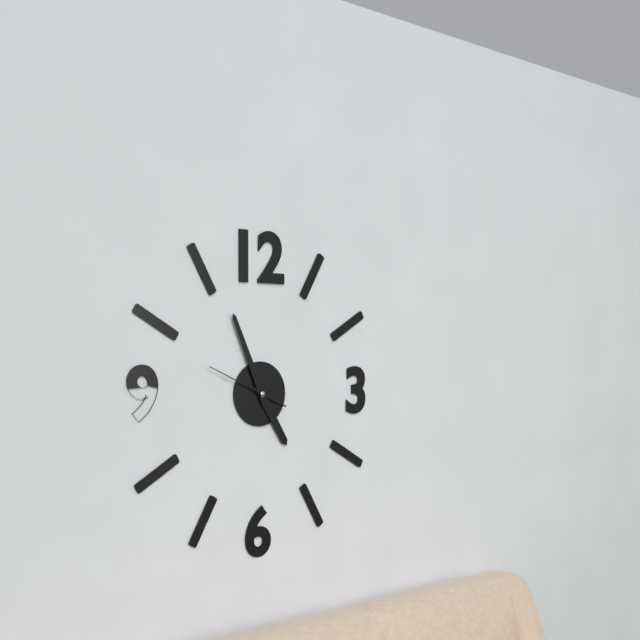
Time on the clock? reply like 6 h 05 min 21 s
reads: 4 h 56 min 49 s
